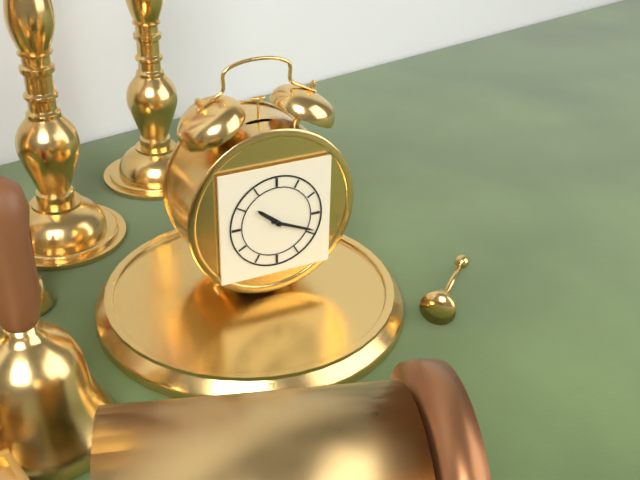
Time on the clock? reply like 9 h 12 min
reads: 10 h 19 min
